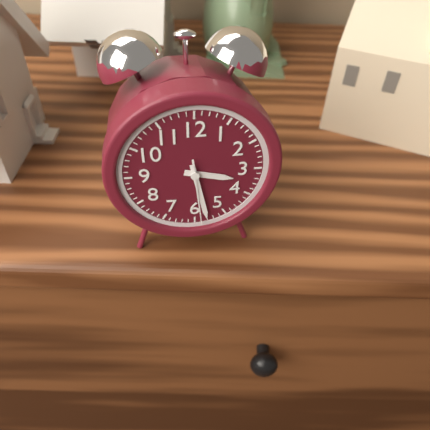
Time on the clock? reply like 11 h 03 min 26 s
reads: 3 h 28 min 29 s
